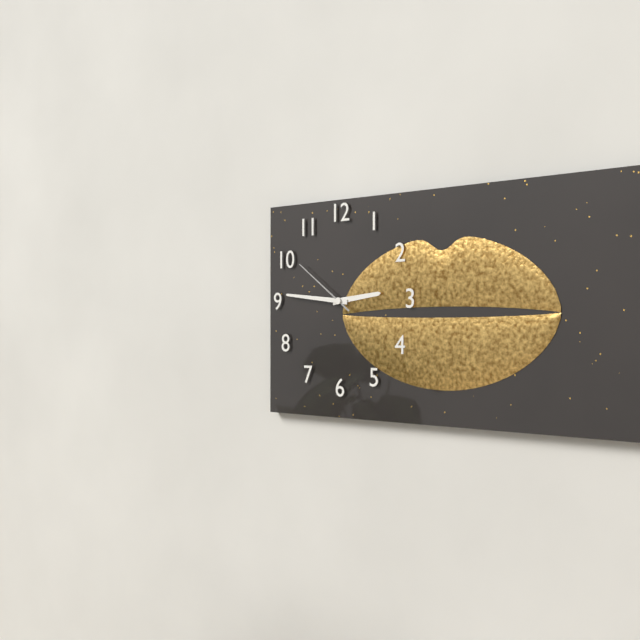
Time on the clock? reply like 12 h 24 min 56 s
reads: 2 h 46 min 51 s
